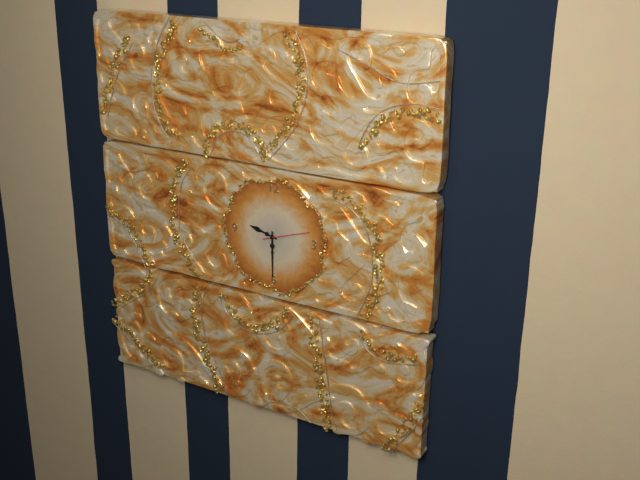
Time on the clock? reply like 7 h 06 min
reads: 9 h 30 min
